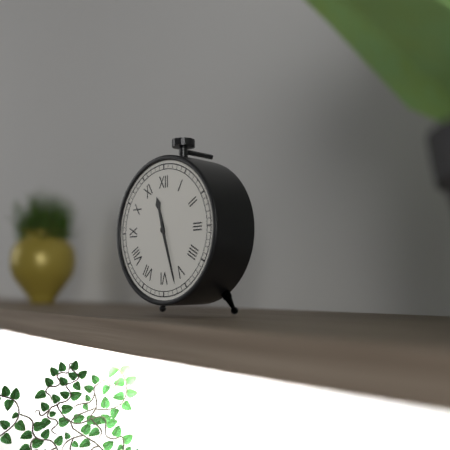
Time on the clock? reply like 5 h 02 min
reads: 11 h 27 min
